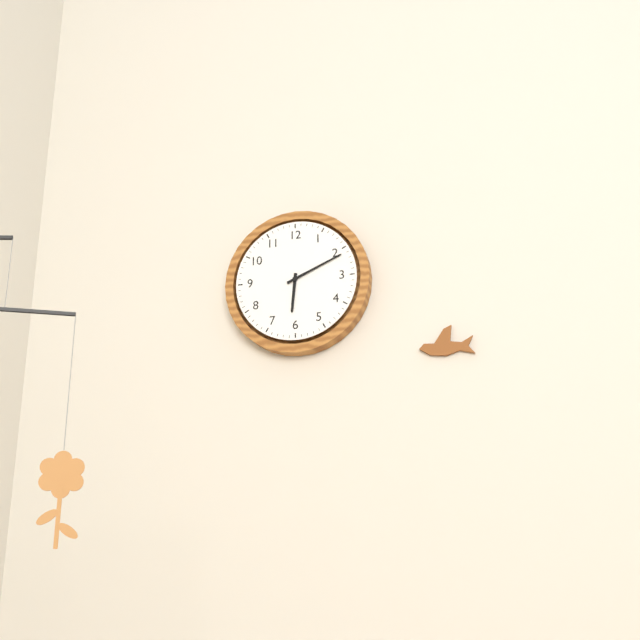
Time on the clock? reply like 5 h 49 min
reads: 6 h 11 min
